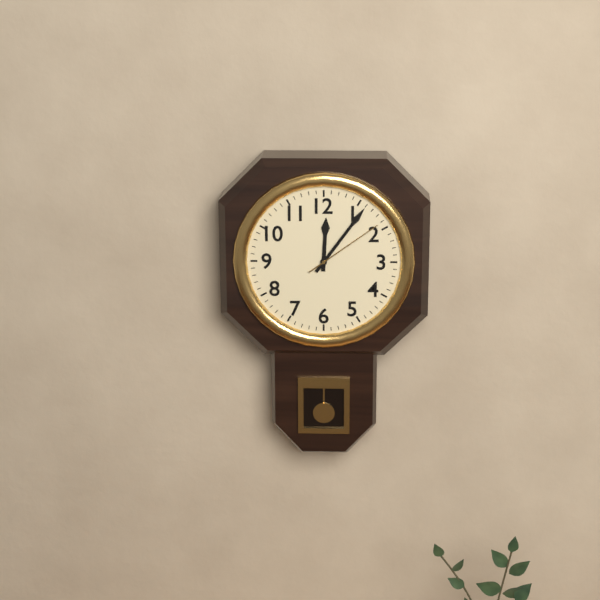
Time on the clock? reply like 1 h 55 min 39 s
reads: 12 h 06 min 09 s
